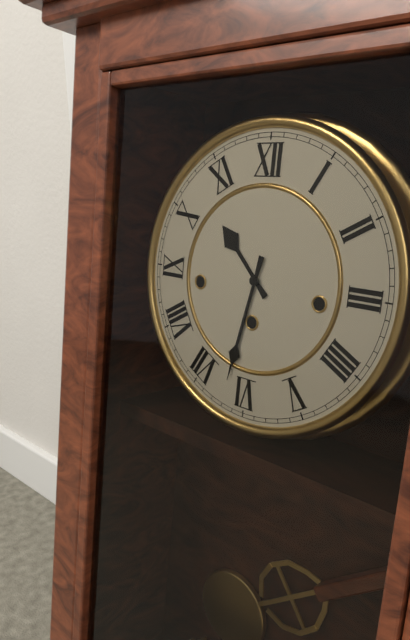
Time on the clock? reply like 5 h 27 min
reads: 10 h 32 min
